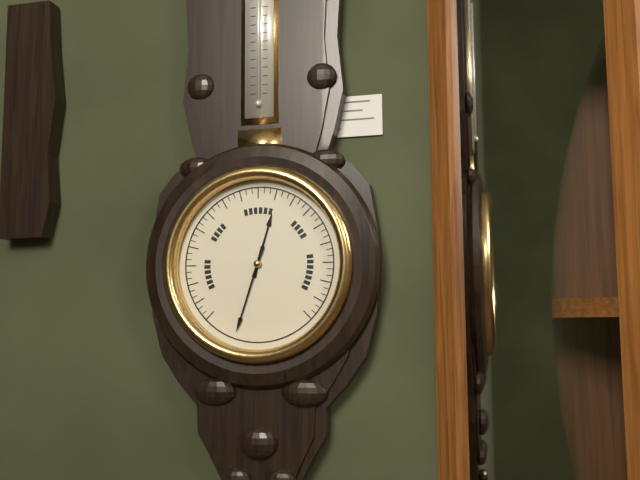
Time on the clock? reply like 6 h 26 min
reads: 12 h 33 min
